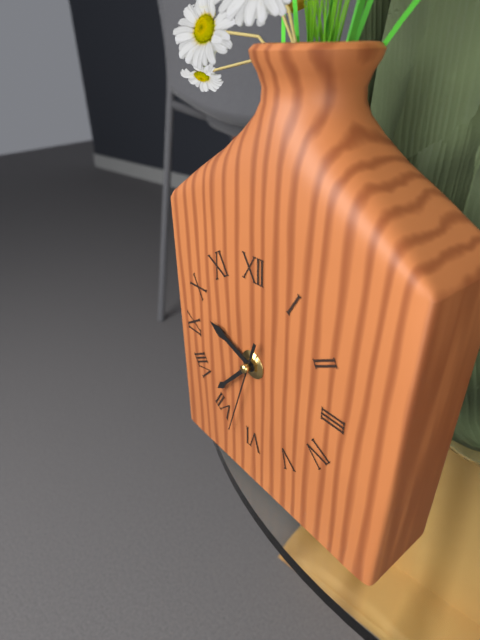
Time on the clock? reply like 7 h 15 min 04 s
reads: 9 h 37 min 33 s
